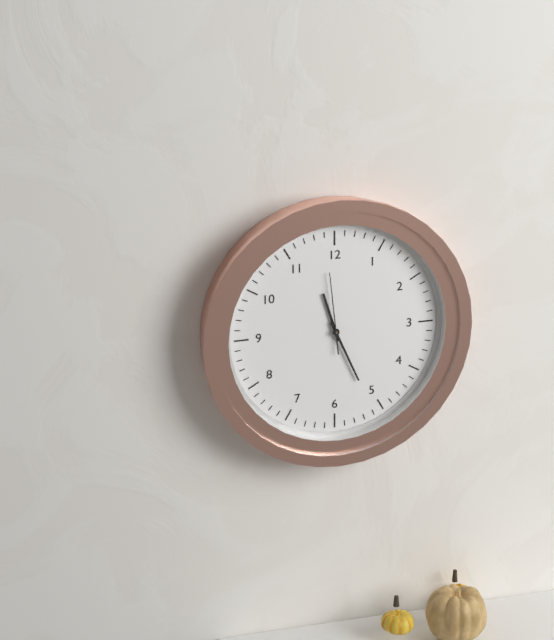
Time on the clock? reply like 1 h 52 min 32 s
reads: 11 h 26 min 59 s
